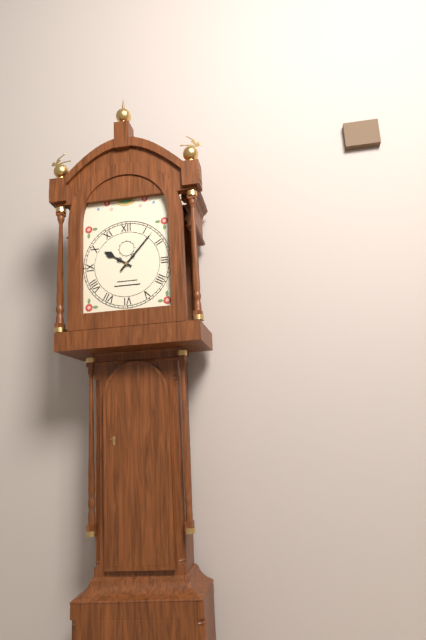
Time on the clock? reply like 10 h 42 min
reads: 10 h 07 min
